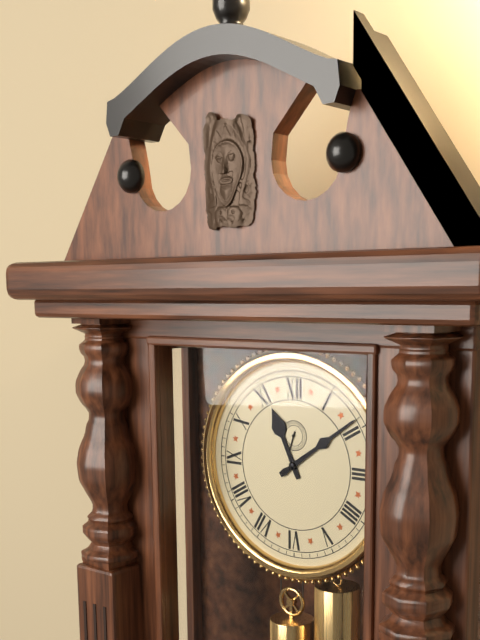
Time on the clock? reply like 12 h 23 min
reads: 11 h 09 min
